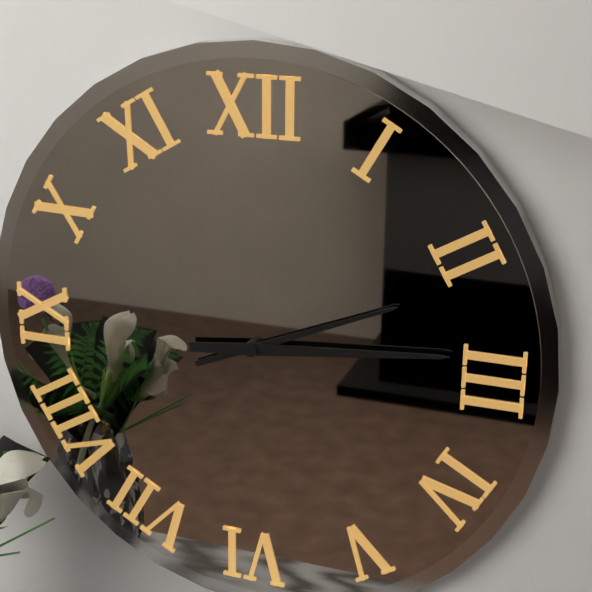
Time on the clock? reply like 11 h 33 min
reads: 2 h 14 min
